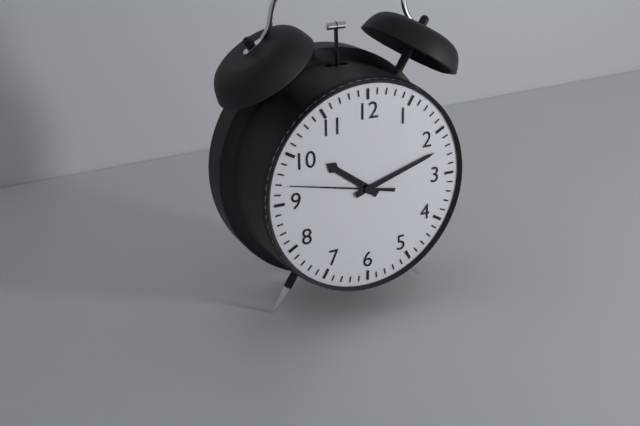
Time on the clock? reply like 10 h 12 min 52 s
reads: 10 h 12 min 47 s
